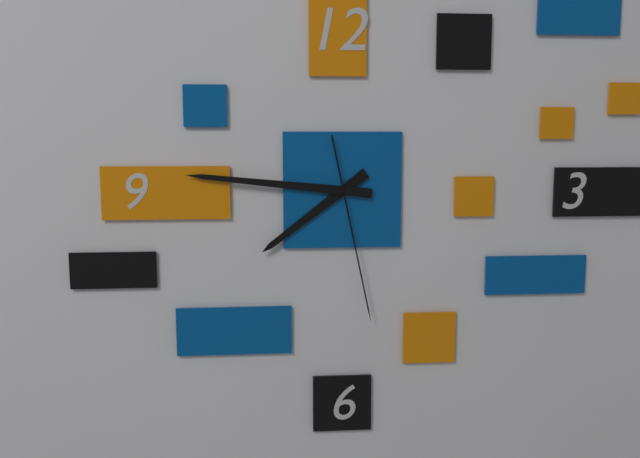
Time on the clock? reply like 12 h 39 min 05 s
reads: 7 h 46 min 28 s
